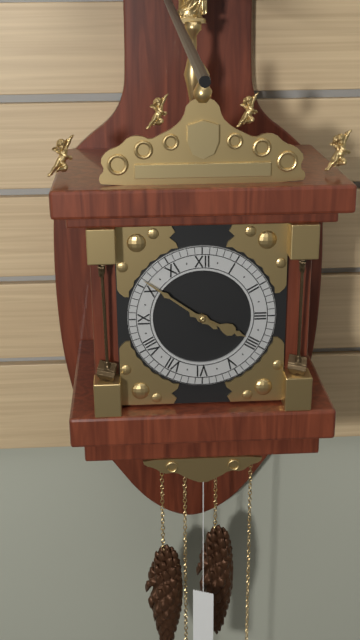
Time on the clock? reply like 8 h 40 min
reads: 3 h 51 min
